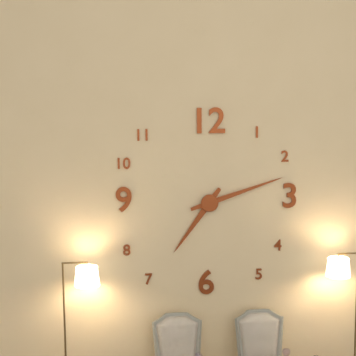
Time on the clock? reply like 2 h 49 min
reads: 7 h 12 min
